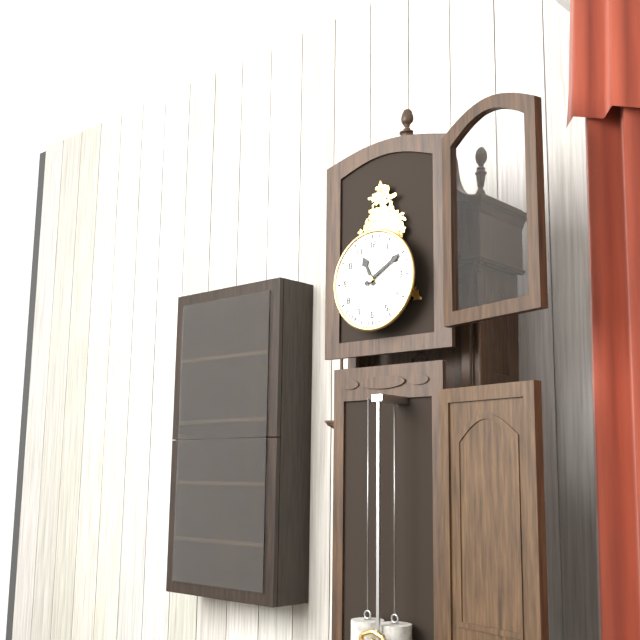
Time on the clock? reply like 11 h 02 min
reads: 11 h 10 min
